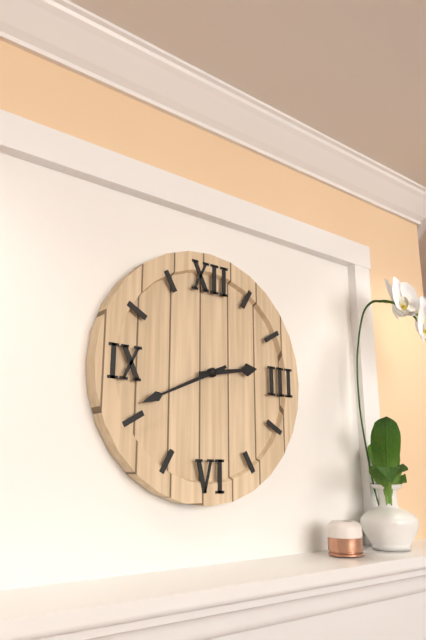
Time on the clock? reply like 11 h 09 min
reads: 2 h 41 min
